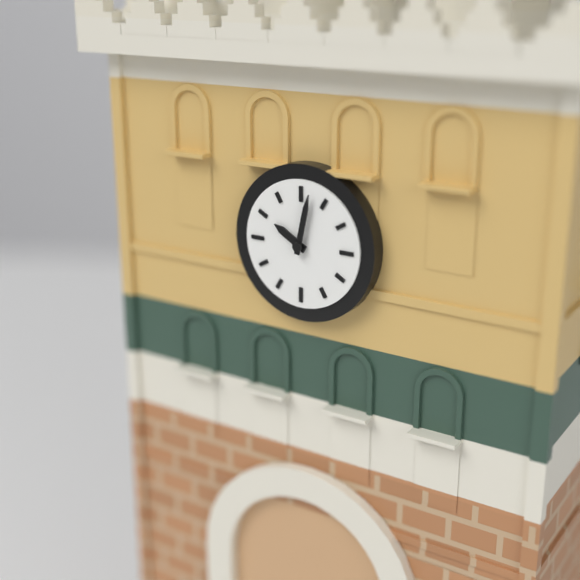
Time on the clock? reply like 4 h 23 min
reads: 10 h 02 min
